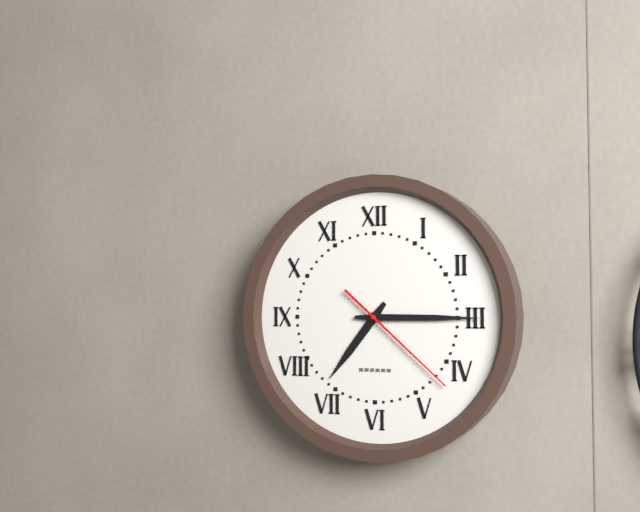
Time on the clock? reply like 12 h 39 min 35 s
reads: 7 h 15 min 22 s
